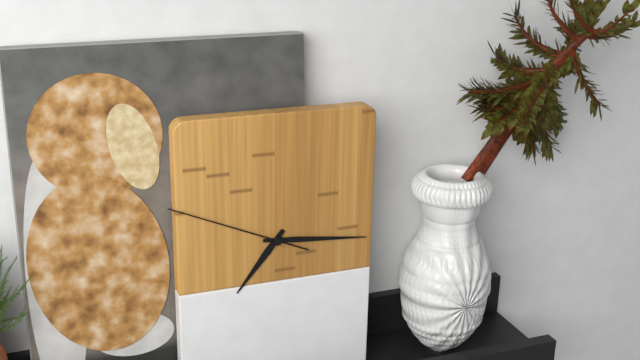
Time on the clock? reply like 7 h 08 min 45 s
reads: 7 h 16 min 49 s
